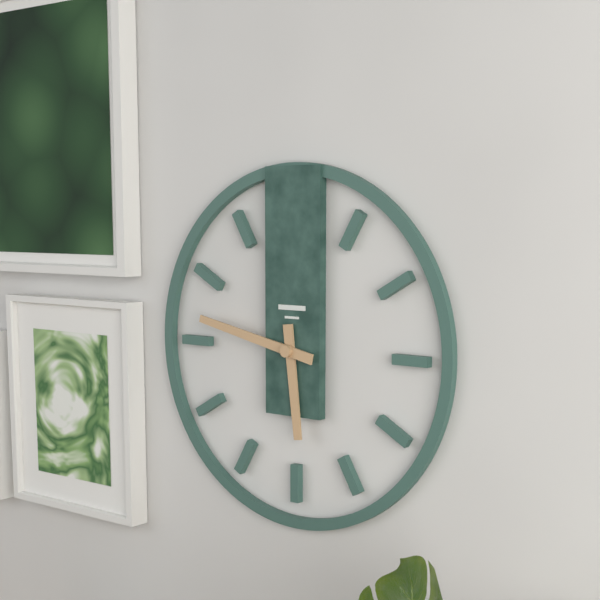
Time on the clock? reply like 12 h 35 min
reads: 5 h 47 min
